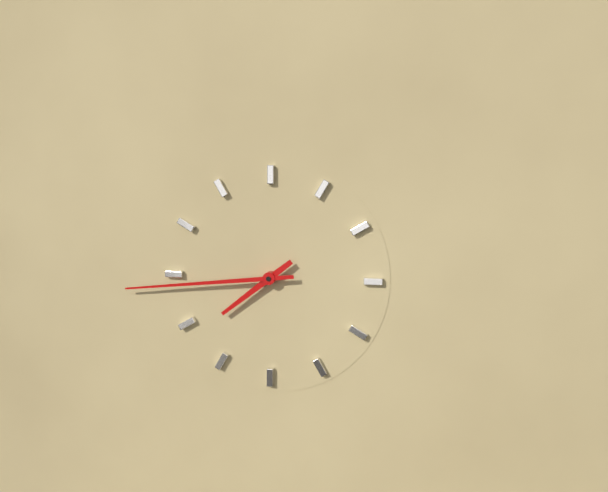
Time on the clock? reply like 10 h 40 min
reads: 7 h 44 min
